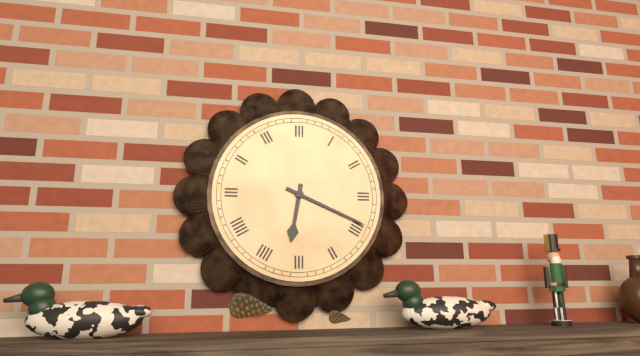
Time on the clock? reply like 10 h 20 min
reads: 6 h 19 min
